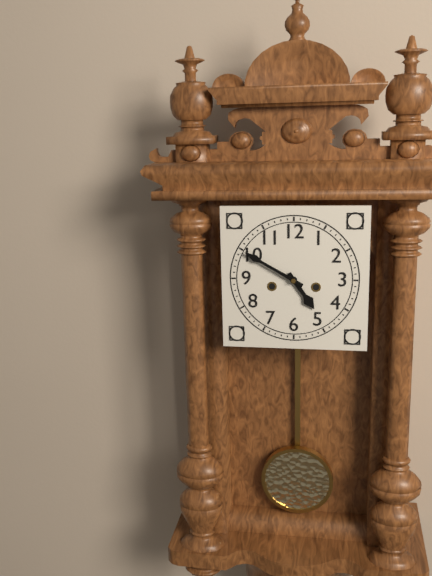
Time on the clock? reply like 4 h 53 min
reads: 4 h 50 min
